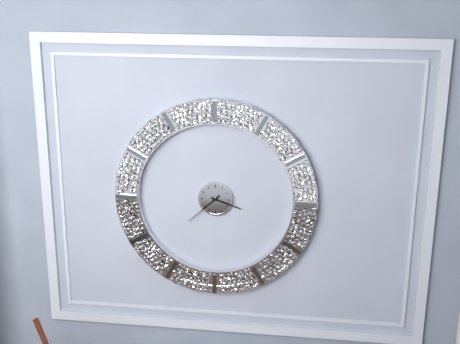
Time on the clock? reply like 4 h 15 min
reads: 3 h 38 min
